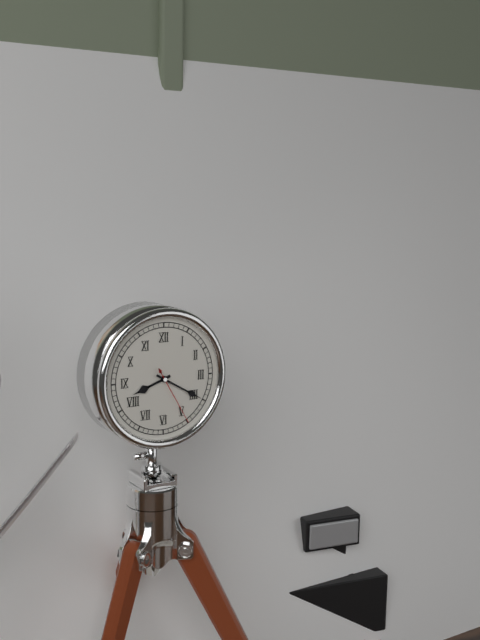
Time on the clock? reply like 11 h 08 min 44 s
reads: 8 h 20 min 25 s
